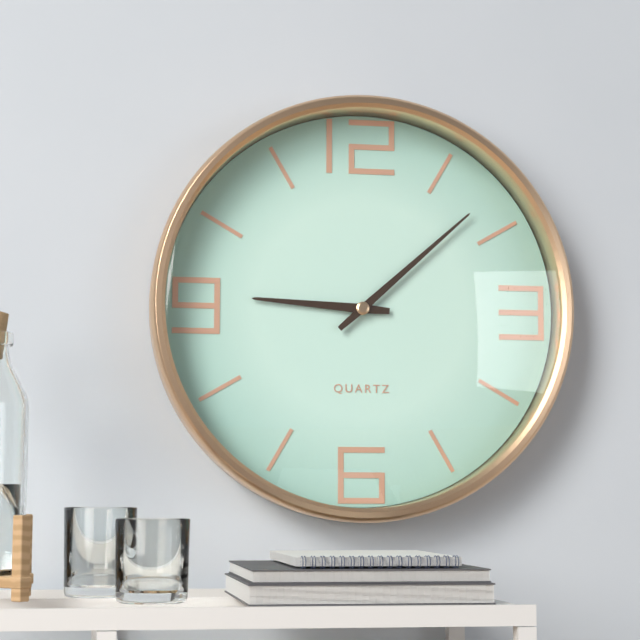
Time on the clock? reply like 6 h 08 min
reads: 9 h 08 min
